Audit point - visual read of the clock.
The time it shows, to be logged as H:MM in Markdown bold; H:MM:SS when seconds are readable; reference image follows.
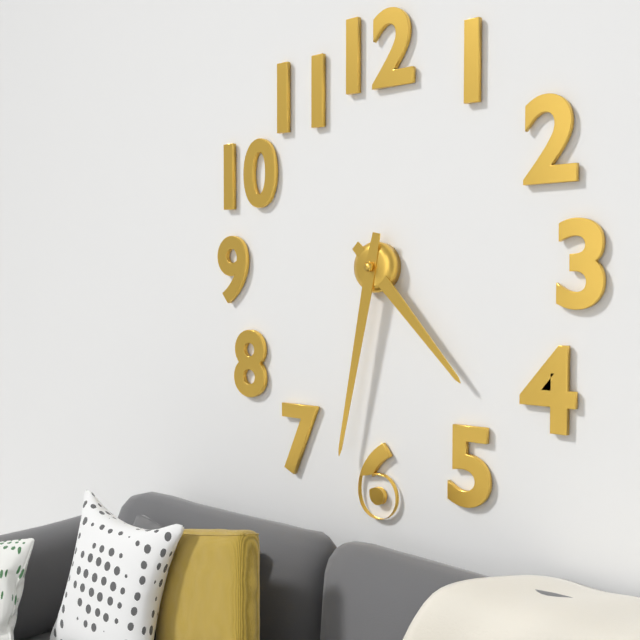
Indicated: **4:32**
